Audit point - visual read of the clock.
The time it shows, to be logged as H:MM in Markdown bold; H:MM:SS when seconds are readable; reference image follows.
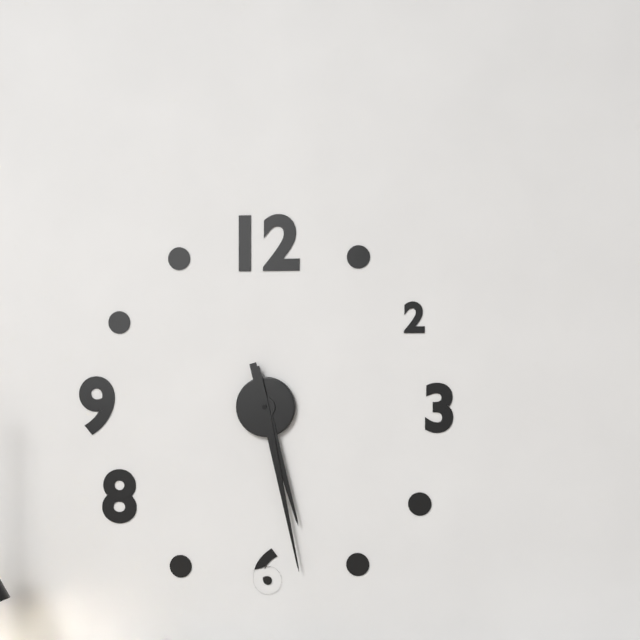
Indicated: **5:28**
